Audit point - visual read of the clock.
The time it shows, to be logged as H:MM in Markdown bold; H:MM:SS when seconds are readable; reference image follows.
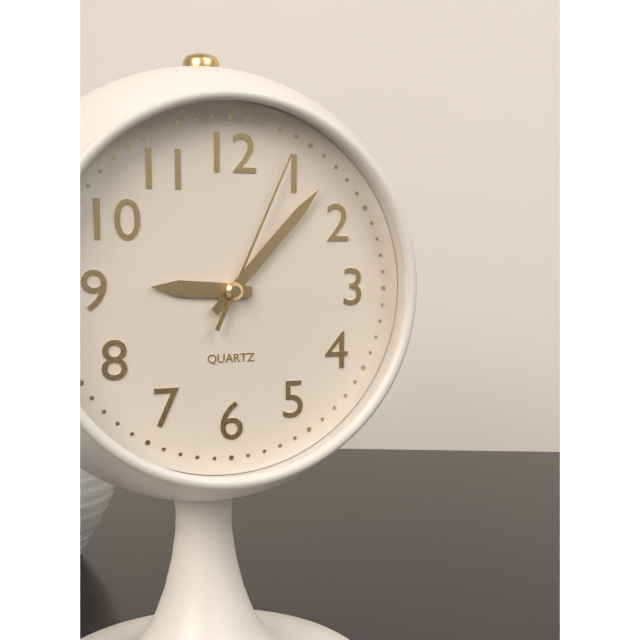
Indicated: **9:07:04**
